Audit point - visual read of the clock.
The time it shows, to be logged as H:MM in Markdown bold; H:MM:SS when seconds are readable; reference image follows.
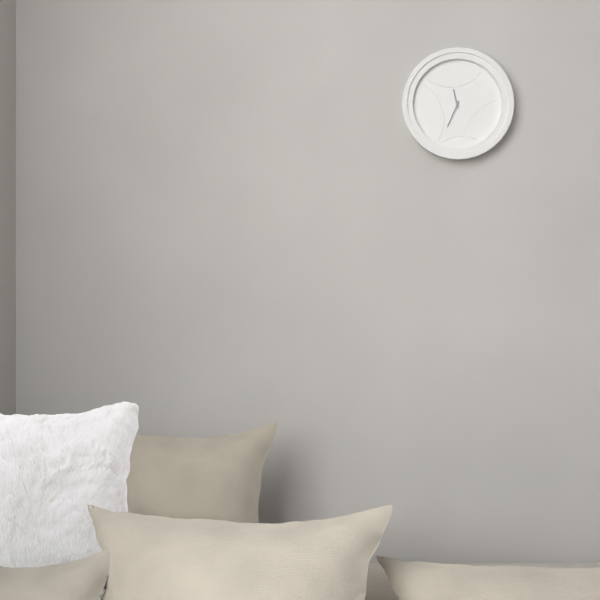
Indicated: **11:34**
